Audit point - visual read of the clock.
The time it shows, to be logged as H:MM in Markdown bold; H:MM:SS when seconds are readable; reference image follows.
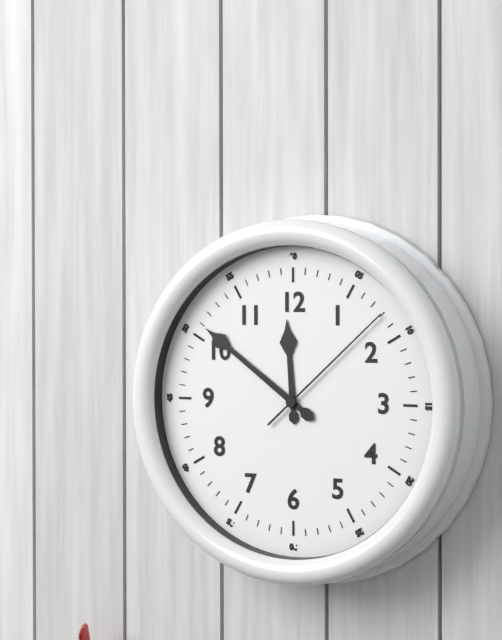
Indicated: **11:51:08**
